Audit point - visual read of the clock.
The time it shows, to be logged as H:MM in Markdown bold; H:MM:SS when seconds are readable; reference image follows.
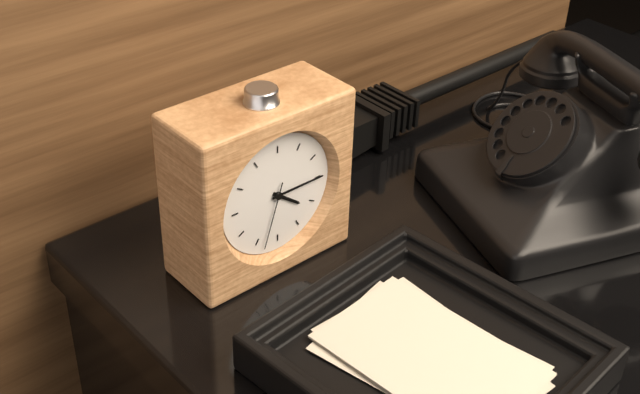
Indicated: **4:15:33**
